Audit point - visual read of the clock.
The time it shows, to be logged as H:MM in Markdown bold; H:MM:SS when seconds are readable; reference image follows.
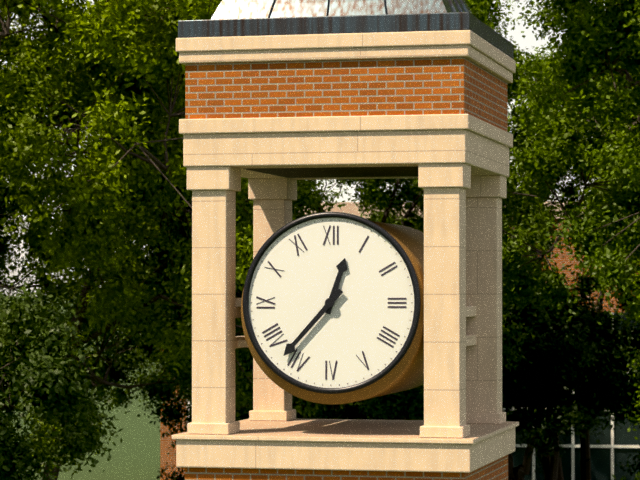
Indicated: **12:37**
